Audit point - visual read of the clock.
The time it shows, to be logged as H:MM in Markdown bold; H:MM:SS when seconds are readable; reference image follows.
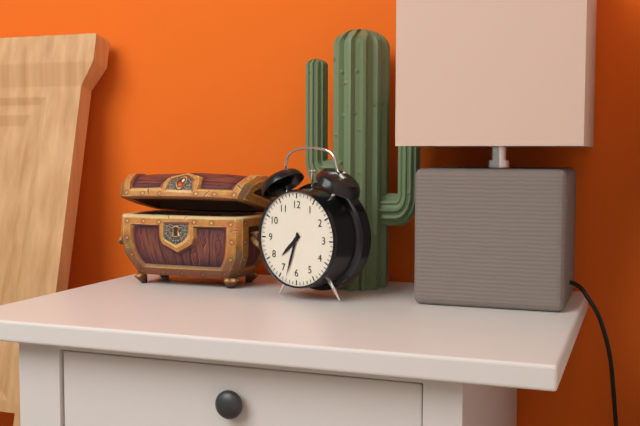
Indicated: **7:33**
